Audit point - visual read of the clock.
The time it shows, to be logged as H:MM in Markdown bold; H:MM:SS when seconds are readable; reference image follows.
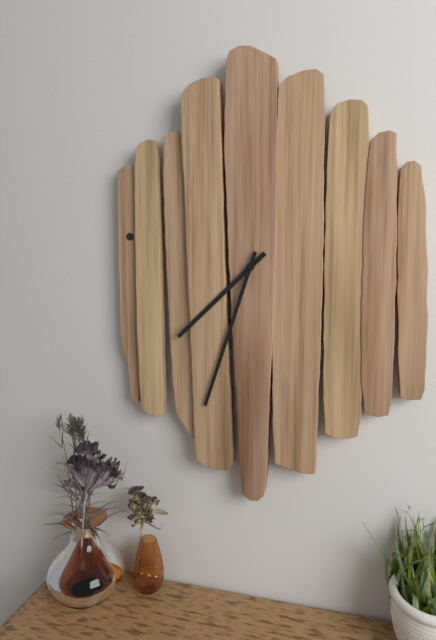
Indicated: **7:33**
